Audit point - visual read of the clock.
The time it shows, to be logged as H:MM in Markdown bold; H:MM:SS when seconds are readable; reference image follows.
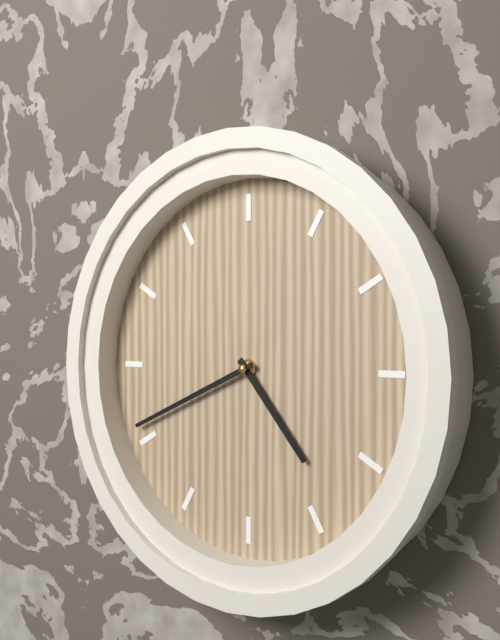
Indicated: **4:41**
